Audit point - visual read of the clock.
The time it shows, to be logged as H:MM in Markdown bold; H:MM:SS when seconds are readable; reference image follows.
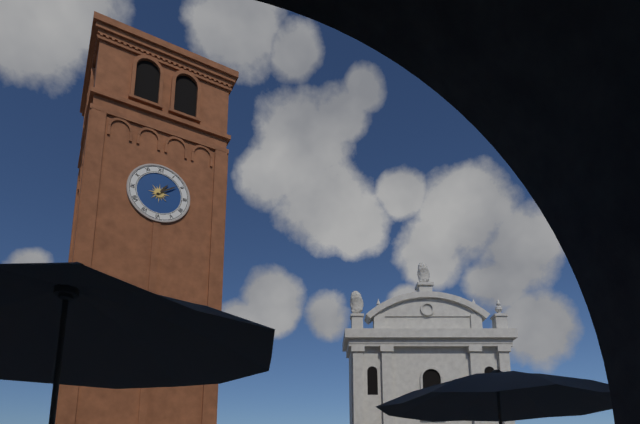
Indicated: **1:09**
